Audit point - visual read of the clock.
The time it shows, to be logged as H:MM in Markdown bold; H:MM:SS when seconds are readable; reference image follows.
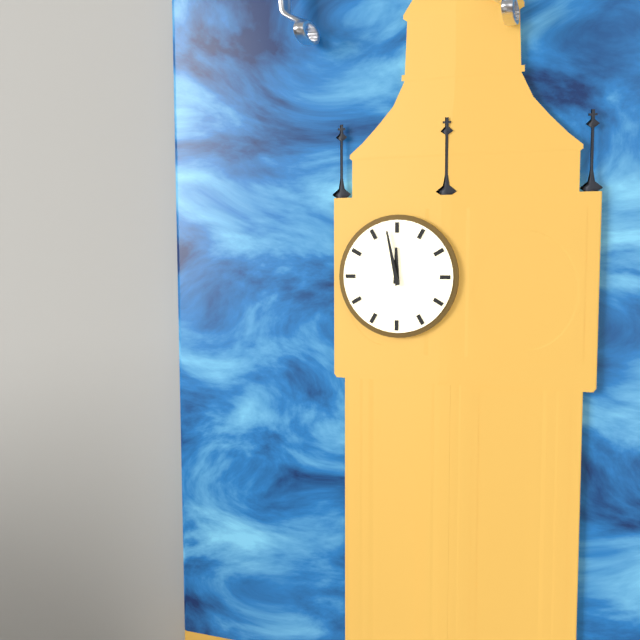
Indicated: **11:58**
